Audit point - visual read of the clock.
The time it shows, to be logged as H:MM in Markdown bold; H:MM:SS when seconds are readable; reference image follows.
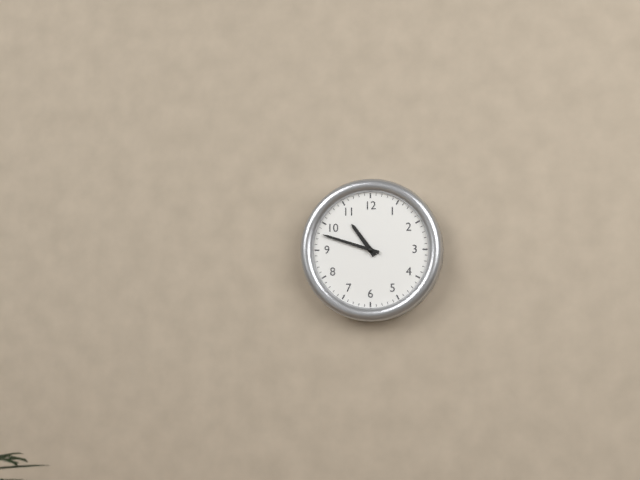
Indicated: **10:48**
